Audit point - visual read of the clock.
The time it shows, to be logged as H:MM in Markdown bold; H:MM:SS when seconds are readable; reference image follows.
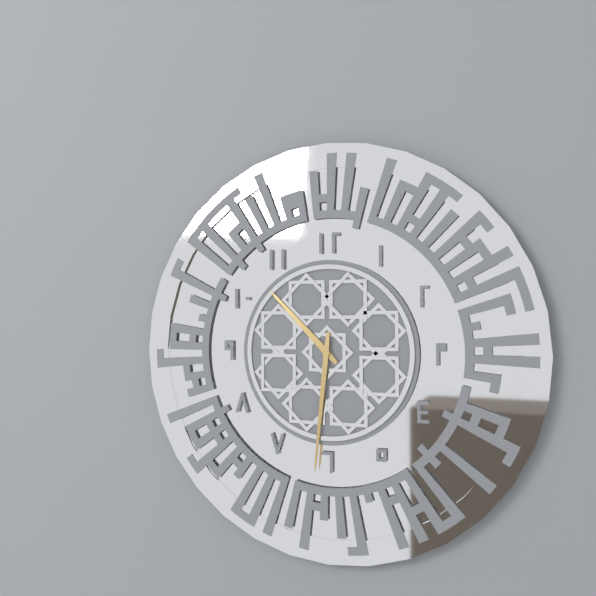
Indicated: **10:31**
